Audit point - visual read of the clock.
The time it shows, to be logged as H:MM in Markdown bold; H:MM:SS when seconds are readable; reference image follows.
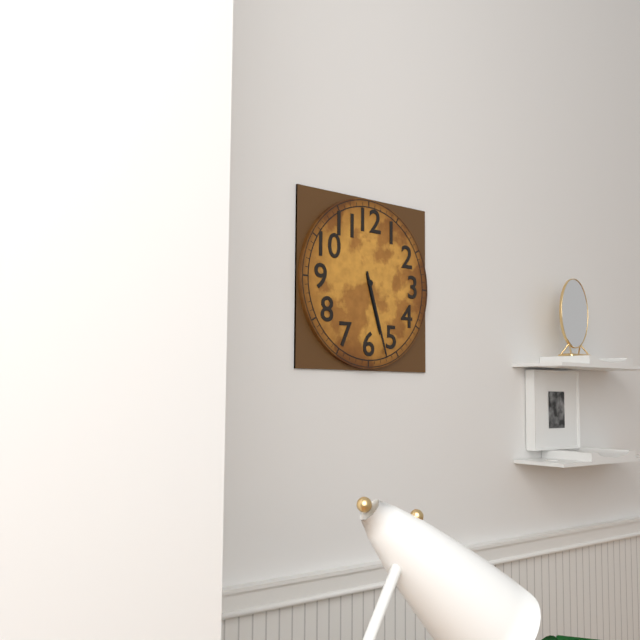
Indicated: **5:27**
